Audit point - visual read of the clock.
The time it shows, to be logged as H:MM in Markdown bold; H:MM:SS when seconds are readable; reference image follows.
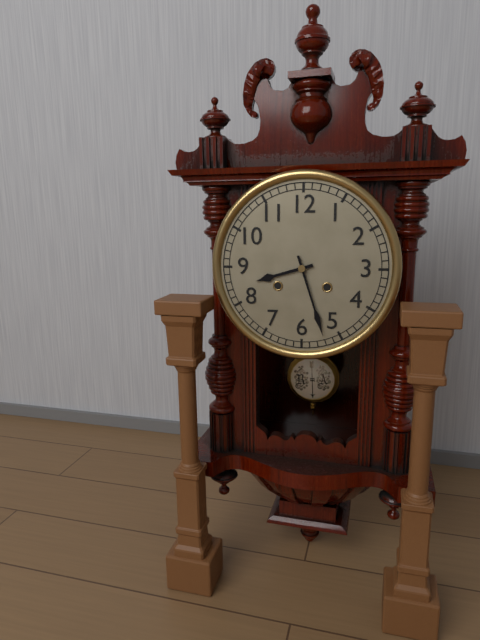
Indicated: **8:27**
